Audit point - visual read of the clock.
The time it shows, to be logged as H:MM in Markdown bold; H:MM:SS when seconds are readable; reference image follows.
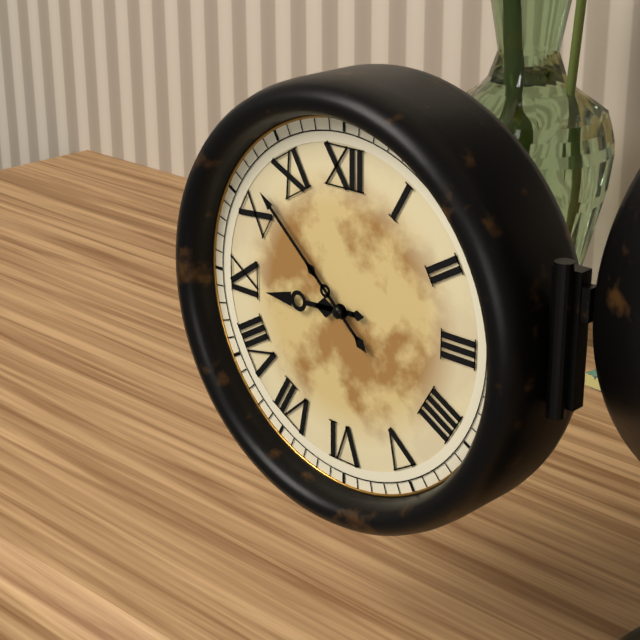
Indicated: **8:52**
